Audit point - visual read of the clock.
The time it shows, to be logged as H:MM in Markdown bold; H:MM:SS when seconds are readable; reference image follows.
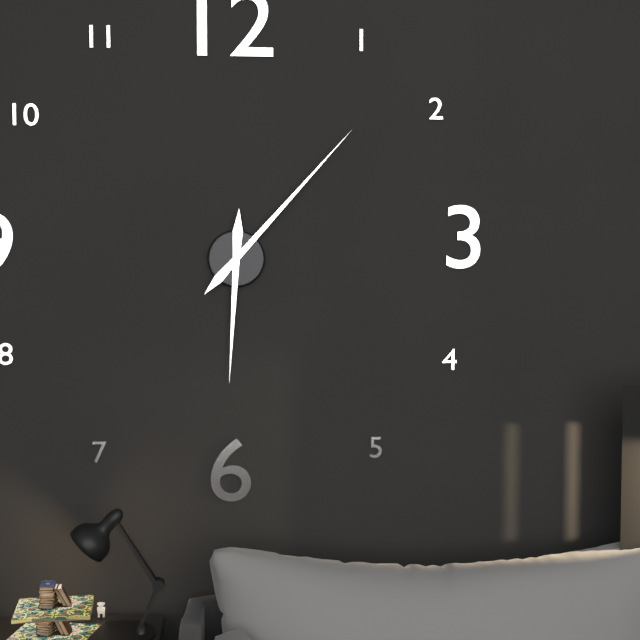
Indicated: **6:07**
